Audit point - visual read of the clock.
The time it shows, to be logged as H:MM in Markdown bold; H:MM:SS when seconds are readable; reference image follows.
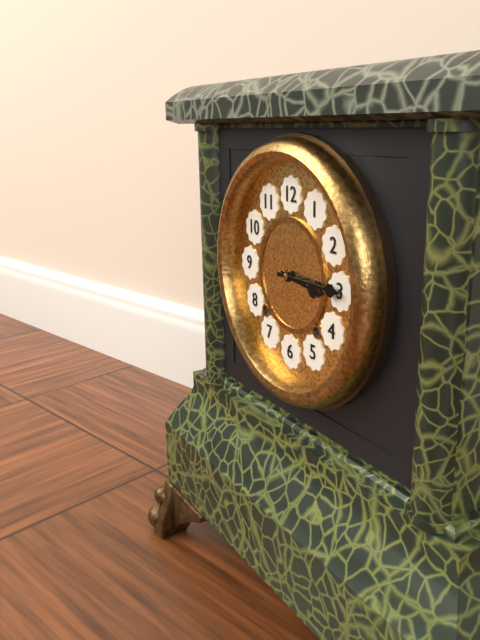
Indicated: **3:15**
